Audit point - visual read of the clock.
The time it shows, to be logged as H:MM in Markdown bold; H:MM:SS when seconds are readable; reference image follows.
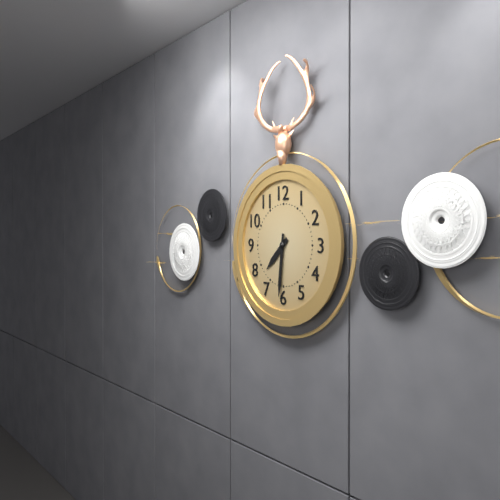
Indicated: **7:31**
